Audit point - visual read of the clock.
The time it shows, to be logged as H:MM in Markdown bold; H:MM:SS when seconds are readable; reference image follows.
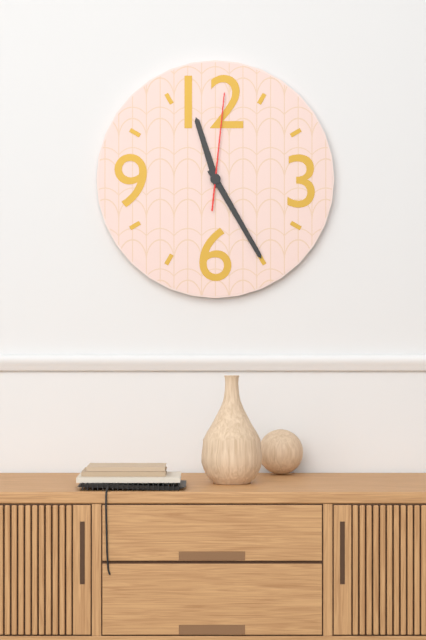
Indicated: **11:25:01**
